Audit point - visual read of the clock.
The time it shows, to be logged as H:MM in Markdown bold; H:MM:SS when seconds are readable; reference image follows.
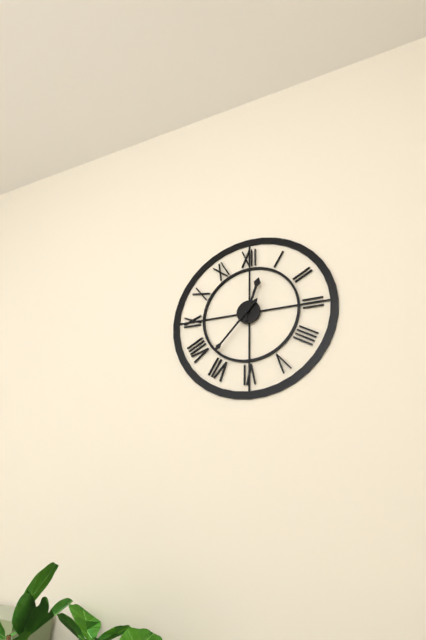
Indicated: **12:37**
